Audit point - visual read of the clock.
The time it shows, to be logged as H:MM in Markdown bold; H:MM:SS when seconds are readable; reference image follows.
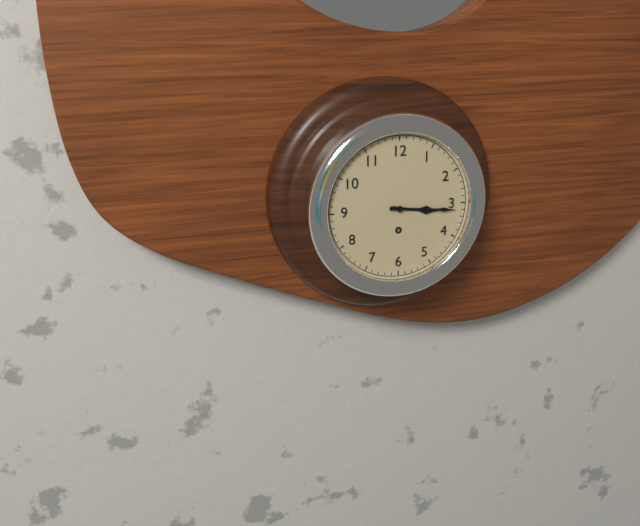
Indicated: **3:16**
